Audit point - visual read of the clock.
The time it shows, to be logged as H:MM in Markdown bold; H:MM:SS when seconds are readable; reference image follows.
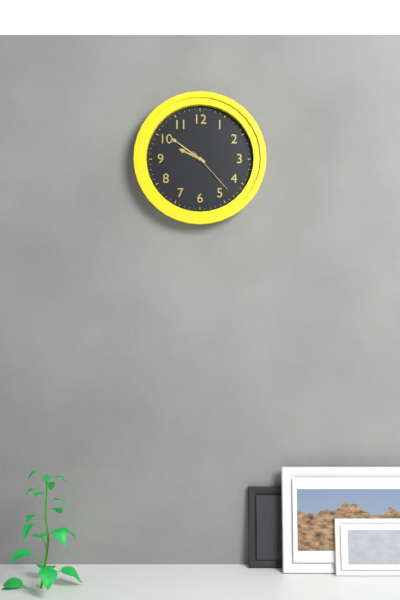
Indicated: **9:51:23**
